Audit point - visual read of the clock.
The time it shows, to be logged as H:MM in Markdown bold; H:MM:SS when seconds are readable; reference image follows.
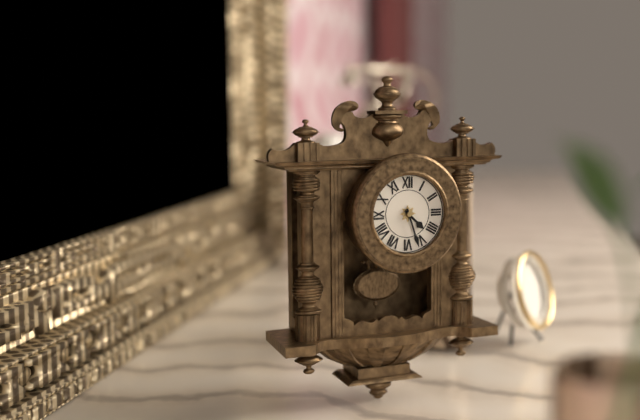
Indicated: **4:27**
